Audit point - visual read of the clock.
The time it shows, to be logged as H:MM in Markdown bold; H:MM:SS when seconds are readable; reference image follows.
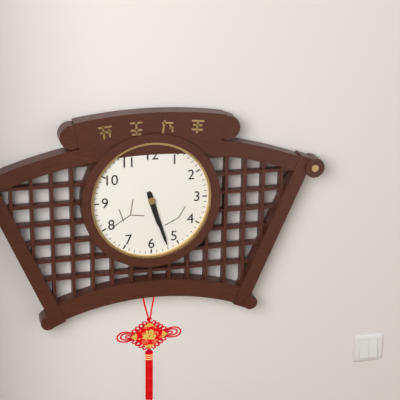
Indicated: **5:27**
